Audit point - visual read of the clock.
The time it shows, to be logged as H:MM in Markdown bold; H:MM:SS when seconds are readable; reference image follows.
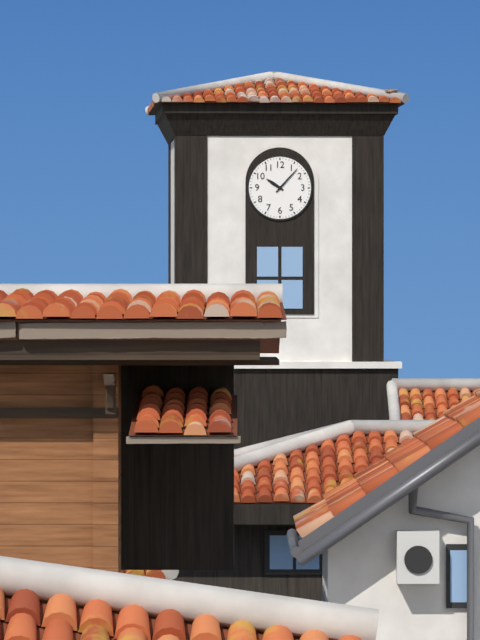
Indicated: **10:07**
